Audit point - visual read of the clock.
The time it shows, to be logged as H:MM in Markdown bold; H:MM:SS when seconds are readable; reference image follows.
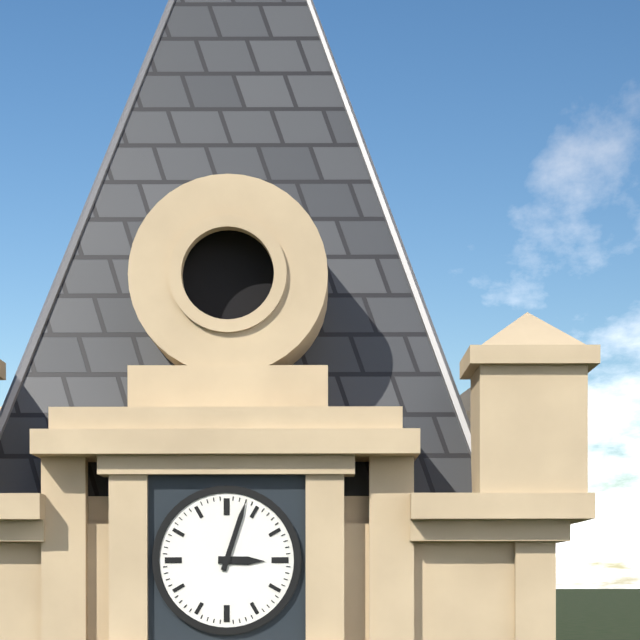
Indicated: **3:03**
